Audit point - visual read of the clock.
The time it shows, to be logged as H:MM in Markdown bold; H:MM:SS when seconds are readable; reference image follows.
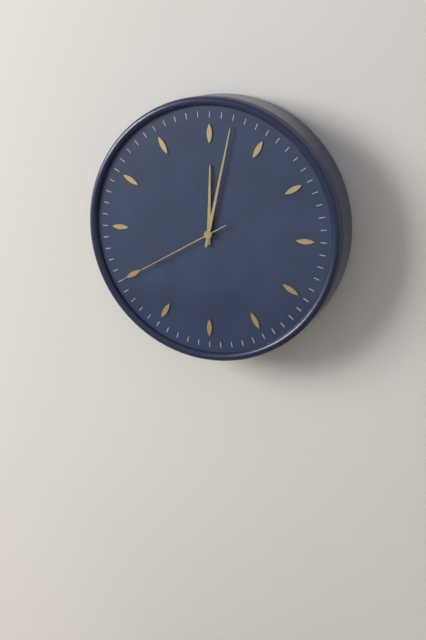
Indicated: **12:02:40**
